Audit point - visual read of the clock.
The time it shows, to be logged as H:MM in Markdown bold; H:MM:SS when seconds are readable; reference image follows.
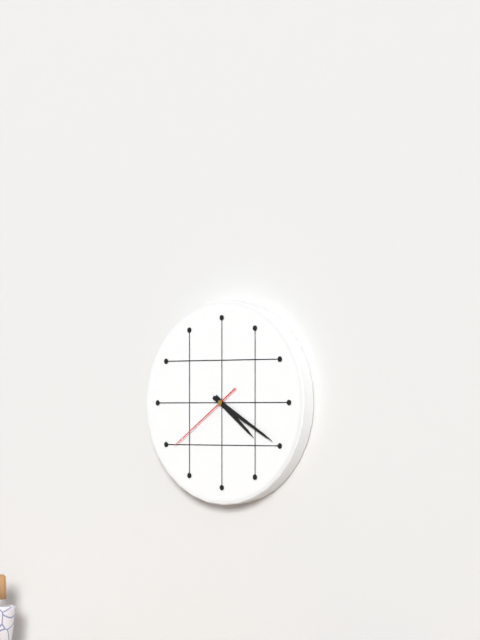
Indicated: **4:20:39**
